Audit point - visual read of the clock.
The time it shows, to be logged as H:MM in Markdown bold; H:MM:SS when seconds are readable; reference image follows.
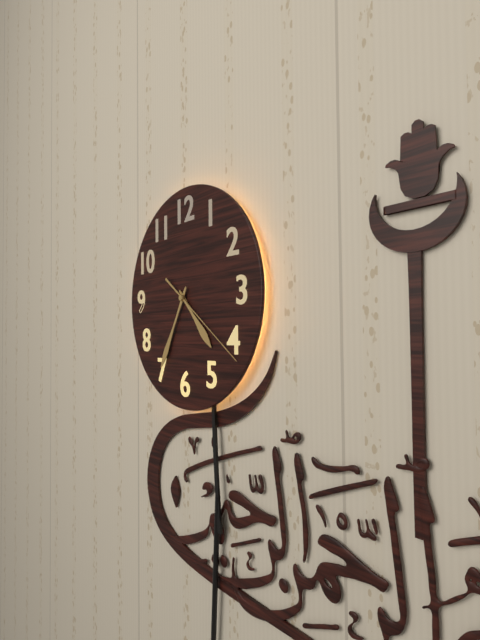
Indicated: **4:35:21**
